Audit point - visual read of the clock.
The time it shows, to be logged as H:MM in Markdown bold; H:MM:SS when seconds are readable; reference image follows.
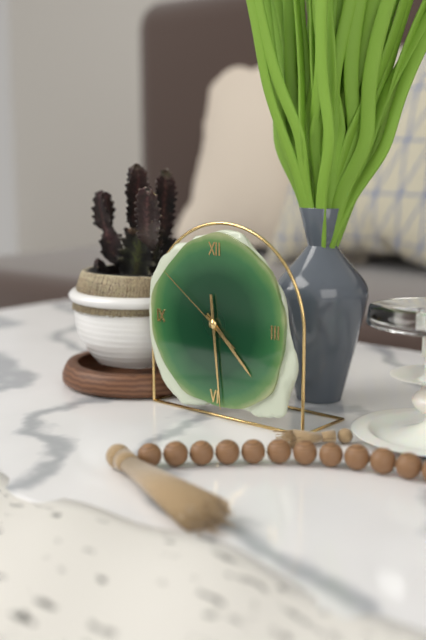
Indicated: **4:29:51**
